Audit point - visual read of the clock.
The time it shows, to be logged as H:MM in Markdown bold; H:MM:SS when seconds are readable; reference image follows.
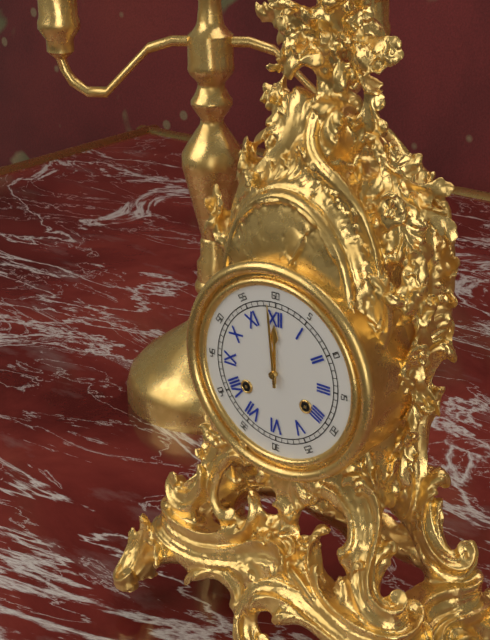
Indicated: **11:59**
